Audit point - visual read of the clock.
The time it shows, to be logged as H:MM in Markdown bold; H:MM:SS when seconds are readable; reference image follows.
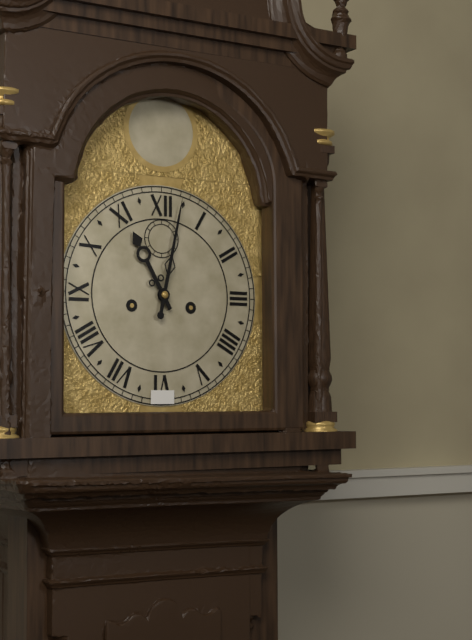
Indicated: **11:02**
